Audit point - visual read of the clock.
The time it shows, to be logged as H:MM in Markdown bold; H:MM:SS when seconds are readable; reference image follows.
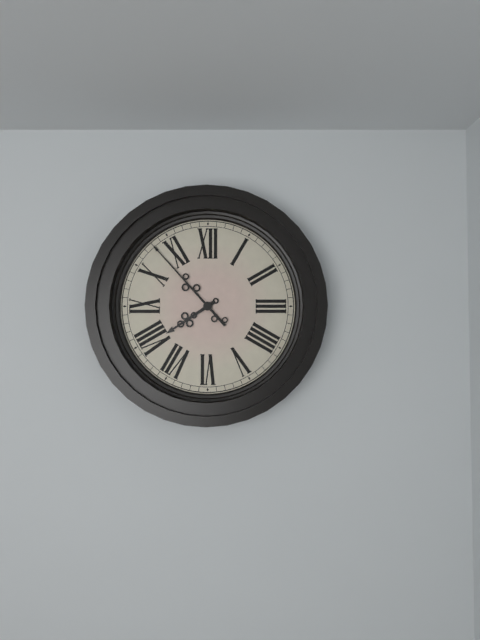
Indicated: **7:53**
